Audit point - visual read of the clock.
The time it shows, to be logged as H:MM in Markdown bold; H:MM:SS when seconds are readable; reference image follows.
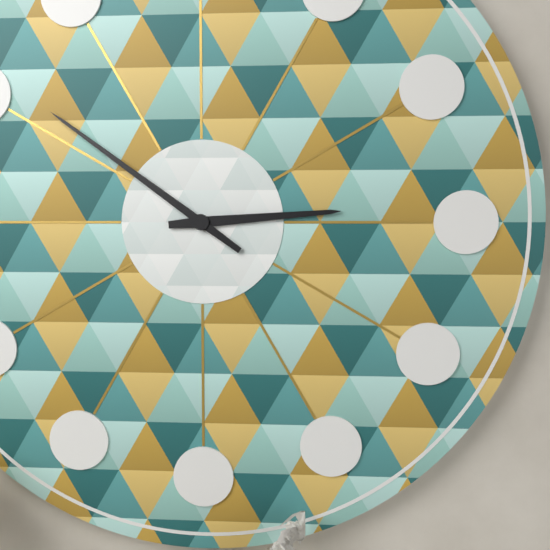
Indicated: **2:51**
